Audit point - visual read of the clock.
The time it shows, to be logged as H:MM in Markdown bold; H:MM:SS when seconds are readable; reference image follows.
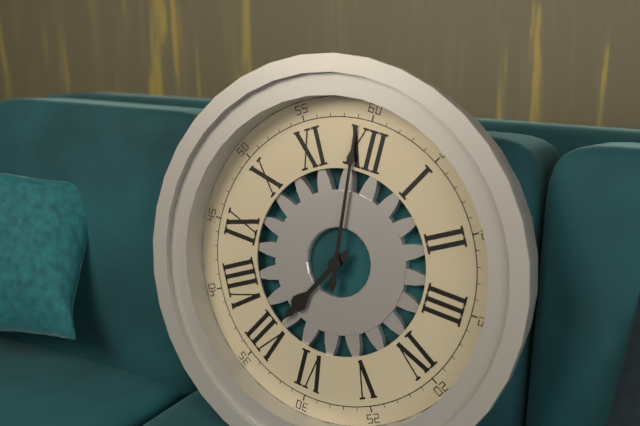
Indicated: **6:59**
